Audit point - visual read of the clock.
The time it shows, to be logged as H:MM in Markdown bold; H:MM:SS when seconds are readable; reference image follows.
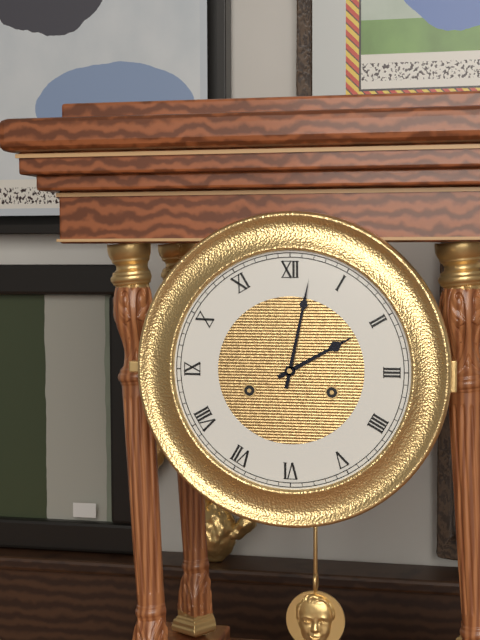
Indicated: **2:02**
